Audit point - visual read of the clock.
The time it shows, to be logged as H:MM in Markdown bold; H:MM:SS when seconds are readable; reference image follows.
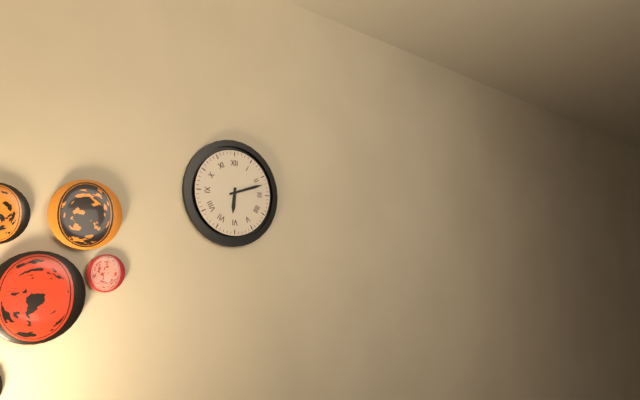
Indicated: **6:12**
